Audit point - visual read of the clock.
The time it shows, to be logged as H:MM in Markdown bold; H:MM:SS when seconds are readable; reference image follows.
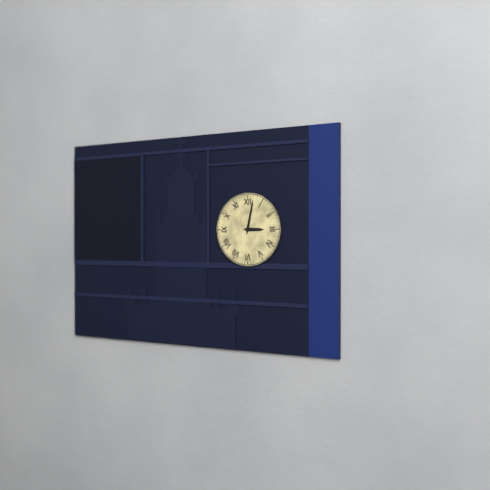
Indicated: **3:02**
